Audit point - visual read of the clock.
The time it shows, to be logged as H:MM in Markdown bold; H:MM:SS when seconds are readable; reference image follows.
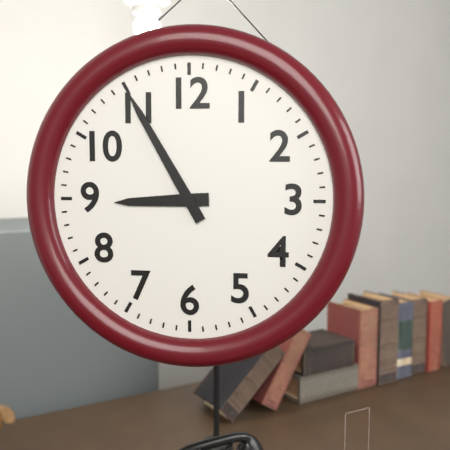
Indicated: **8:55**
